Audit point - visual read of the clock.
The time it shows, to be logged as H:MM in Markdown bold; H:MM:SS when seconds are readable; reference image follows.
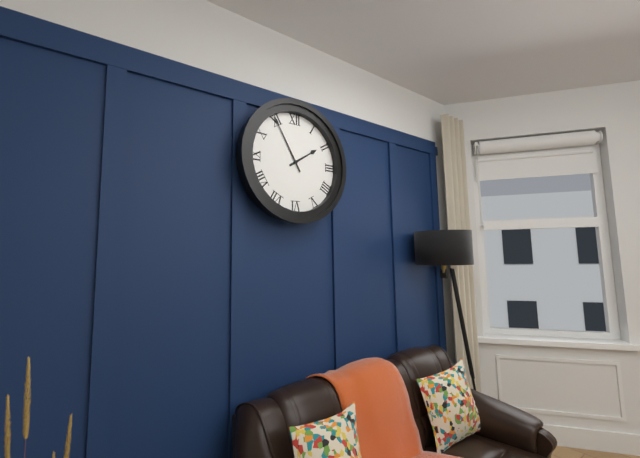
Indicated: **1:55**
